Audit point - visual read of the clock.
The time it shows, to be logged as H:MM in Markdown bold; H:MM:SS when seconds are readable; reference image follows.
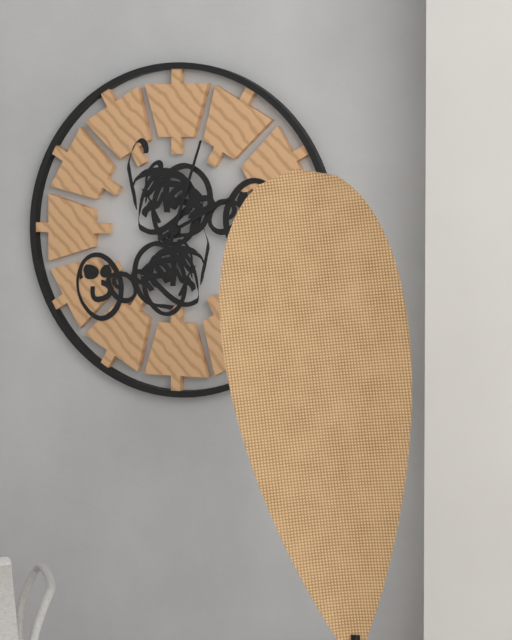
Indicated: **2:03**
